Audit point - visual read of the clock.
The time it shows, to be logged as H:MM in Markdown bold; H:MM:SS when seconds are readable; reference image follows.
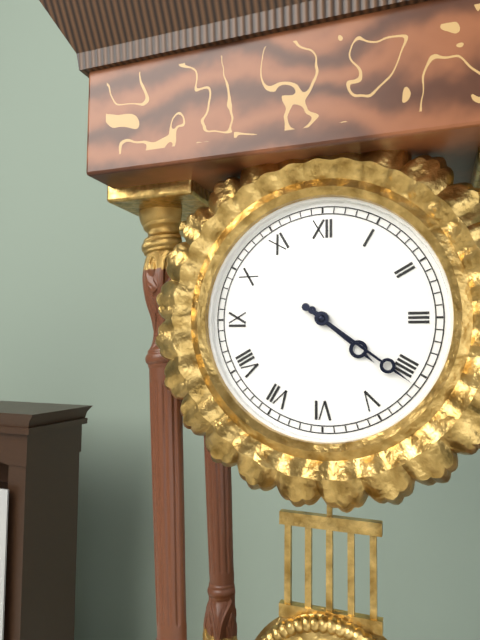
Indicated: **4:21**
